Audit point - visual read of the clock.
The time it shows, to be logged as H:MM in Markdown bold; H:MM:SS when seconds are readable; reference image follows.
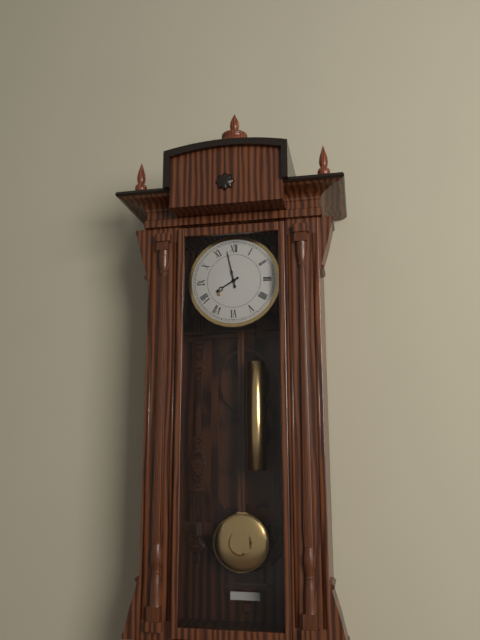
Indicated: **7:58**
